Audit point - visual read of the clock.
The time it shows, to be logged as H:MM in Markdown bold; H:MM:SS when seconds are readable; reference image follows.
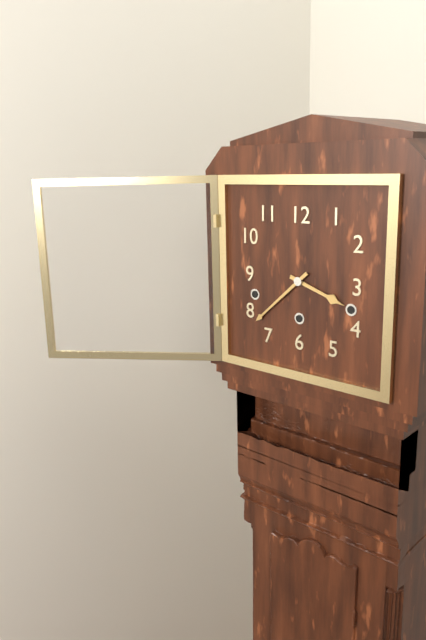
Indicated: **3:38**
